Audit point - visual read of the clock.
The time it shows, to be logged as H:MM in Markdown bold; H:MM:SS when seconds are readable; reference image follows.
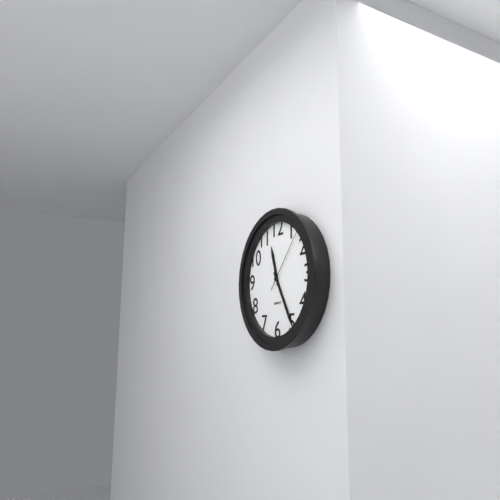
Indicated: **11:25:07**
